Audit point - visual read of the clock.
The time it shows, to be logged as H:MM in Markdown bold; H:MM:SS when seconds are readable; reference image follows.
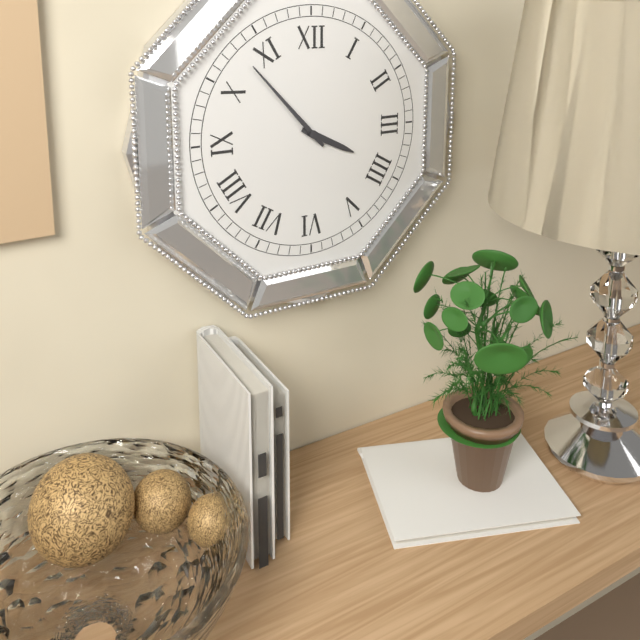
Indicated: **3:53**
